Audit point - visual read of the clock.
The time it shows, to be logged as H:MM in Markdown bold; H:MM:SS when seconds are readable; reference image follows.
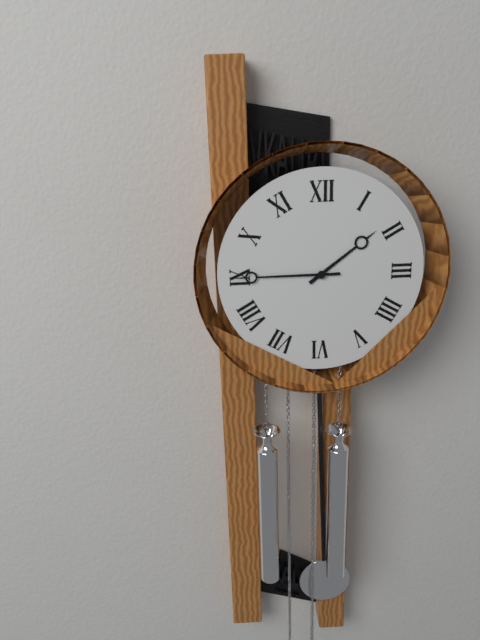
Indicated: **1:45**
